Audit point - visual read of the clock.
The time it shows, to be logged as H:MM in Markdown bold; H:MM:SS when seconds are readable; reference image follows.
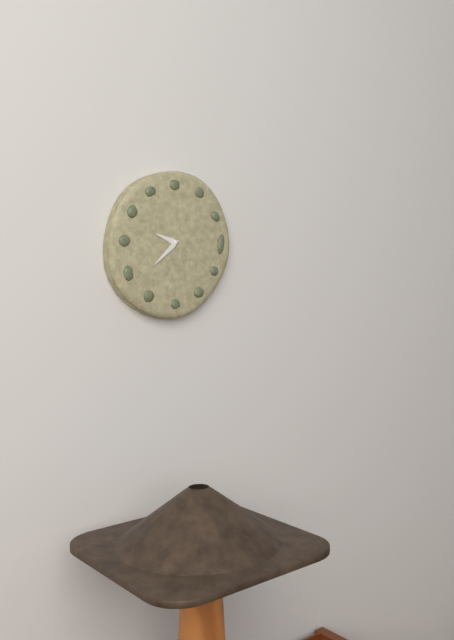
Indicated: **9:38**
